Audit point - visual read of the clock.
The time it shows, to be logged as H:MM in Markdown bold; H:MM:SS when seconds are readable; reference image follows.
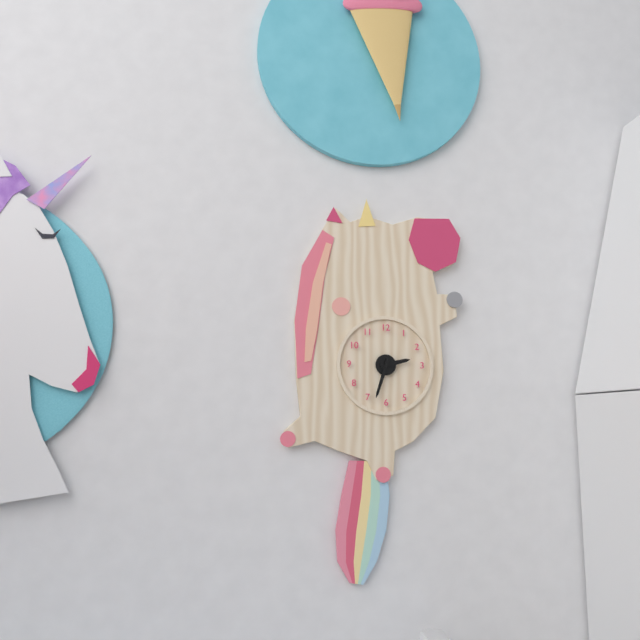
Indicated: **2:33**
